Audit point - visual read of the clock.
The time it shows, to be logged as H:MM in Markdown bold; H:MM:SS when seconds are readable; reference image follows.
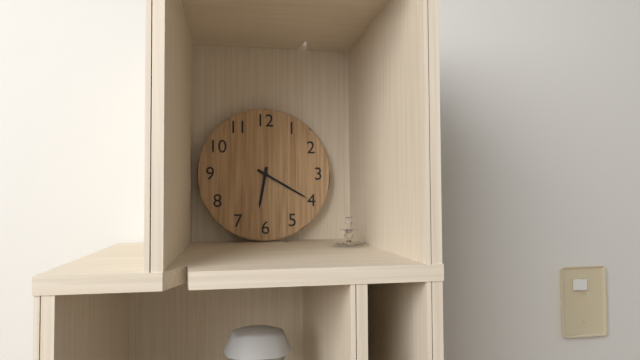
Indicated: **6:20**
